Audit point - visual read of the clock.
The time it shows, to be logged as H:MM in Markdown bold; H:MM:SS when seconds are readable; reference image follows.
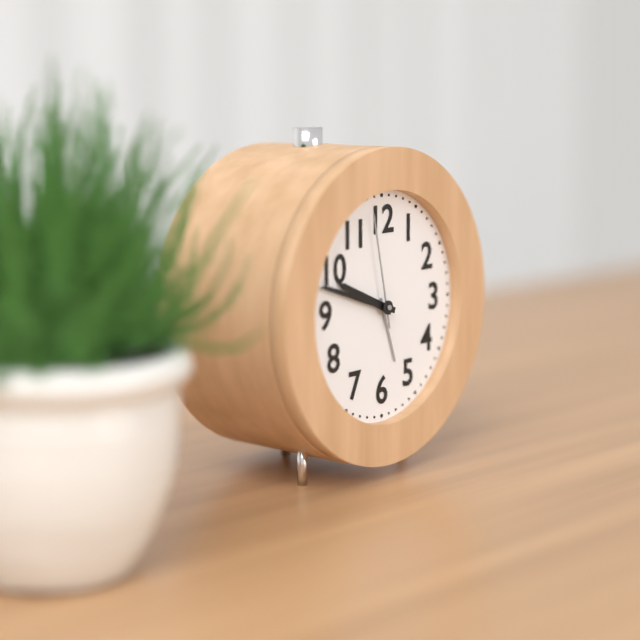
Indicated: **9:48:58**
